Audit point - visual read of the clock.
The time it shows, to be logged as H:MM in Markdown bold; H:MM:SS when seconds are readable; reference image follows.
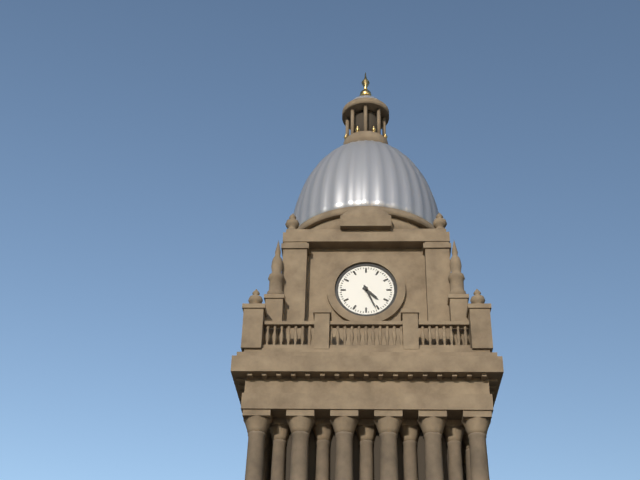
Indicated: **4:26**
